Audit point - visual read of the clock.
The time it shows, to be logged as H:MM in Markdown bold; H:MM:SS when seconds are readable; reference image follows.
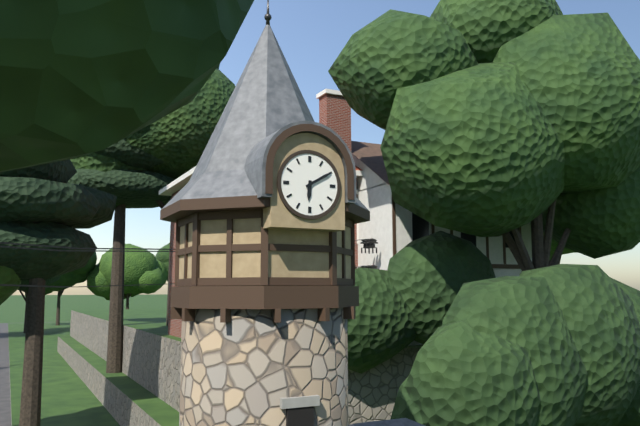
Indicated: **6:10**
